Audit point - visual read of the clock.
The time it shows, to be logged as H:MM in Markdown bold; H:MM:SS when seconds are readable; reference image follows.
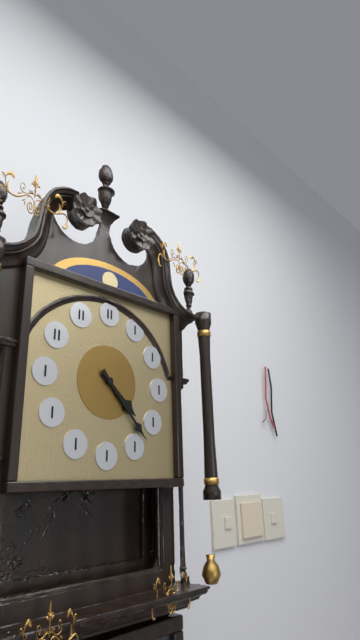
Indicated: **4:23**
